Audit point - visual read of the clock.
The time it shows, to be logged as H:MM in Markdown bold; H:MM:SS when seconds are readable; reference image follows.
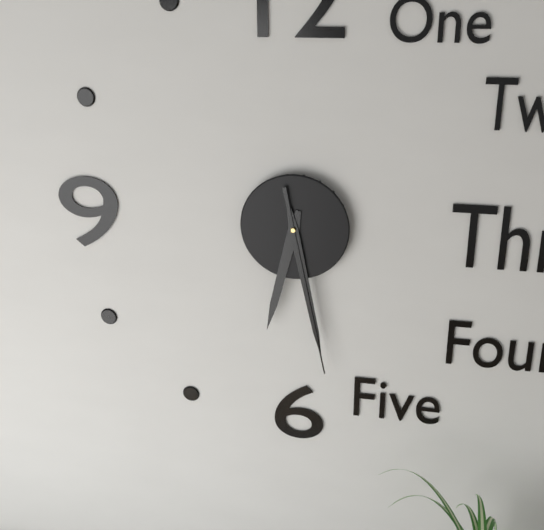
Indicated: **6:28:28**
